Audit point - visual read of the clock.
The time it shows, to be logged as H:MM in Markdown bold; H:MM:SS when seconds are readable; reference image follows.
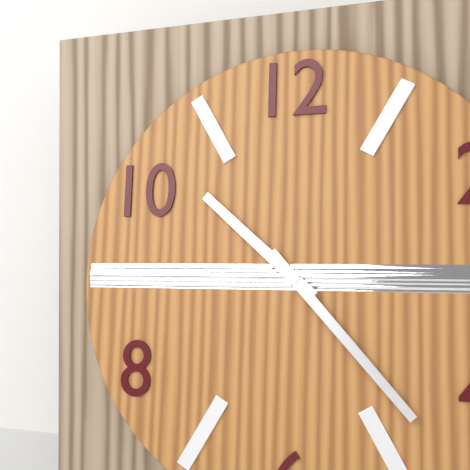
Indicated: **10:23**
